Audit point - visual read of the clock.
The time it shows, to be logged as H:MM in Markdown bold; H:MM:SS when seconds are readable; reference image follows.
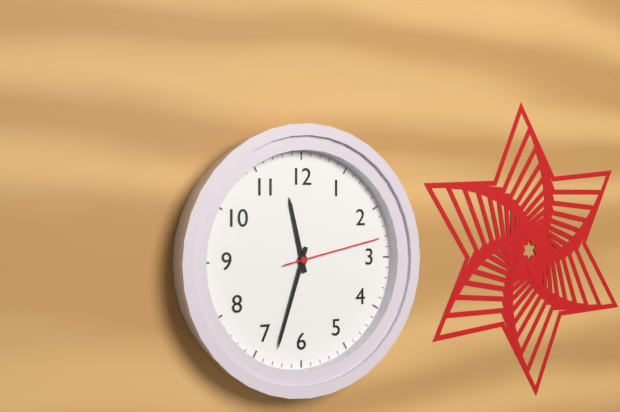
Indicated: **11:33:13**
